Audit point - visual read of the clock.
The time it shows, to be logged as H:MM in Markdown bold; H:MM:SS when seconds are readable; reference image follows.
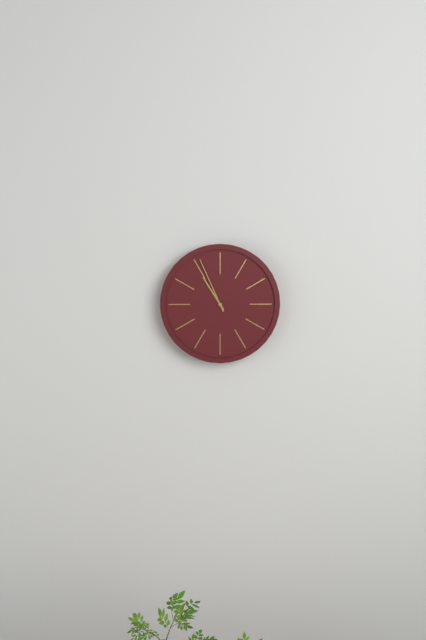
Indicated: **10:56**
